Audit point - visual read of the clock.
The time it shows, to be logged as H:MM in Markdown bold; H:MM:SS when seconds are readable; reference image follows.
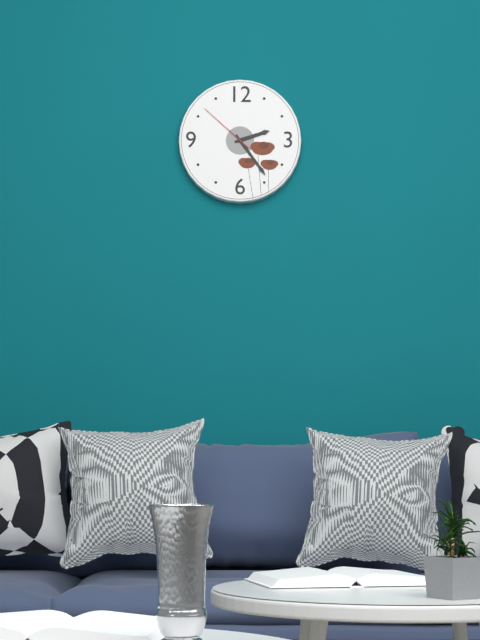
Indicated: **2:24:52**
